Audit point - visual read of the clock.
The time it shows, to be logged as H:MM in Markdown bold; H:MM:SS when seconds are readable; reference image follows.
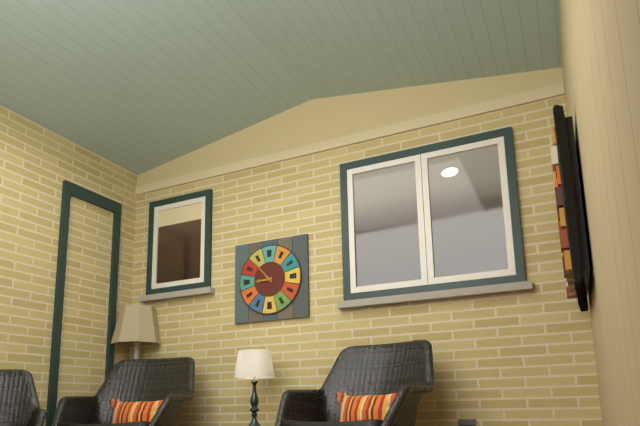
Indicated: **8:53**
